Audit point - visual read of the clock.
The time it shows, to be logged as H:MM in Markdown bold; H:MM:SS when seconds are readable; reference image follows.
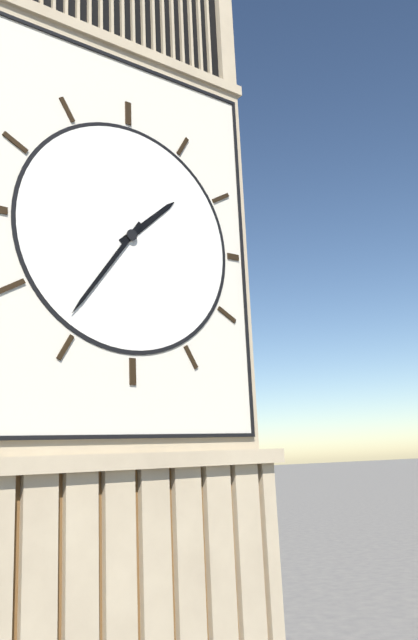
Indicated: **1:36**
